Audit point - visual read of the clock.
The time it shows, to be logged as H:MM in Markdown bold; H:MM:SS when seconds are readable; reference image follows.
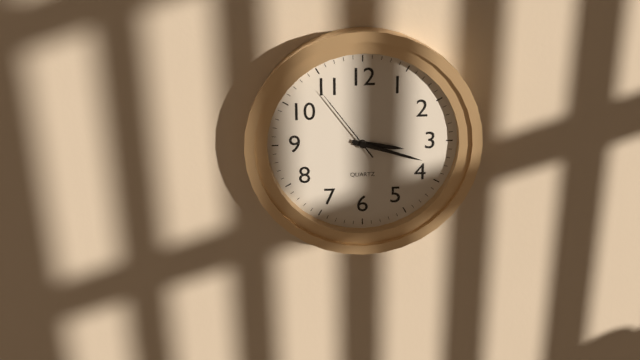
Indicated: **3:18:54**
